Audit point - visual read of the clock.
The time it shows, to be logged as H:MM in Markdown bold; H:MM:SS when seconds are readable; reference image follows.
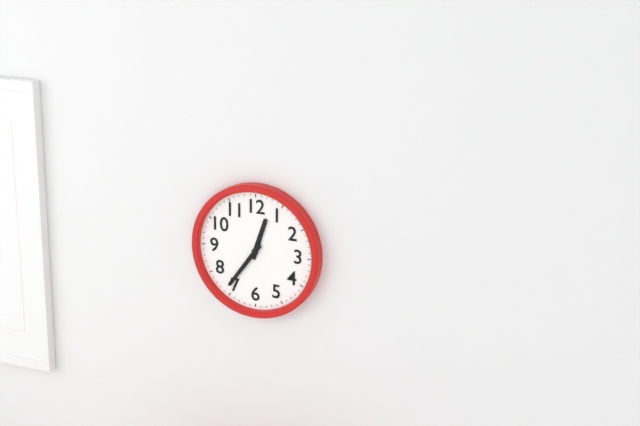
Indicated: **12:36**
